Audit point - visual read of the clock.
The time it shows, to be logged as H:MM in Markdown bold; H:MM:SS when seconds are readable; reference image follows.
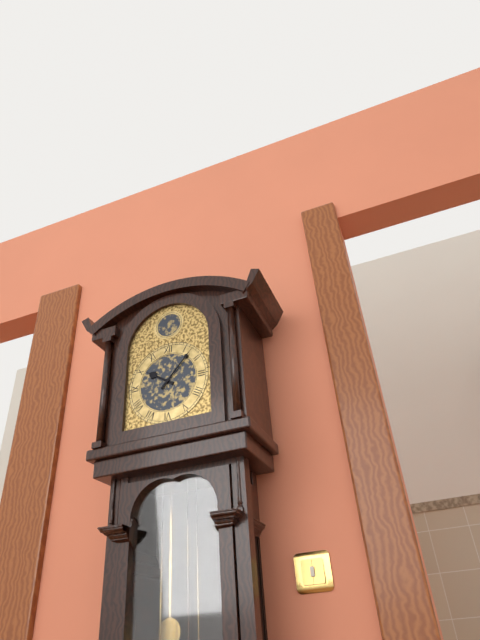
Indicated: **10:07**
